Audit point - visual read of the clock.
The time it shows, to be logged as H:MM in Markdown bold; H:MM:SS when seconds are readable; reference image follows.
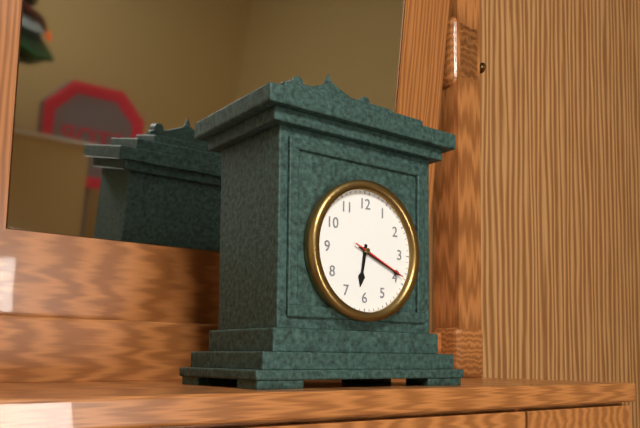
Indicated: **6:19:19**
